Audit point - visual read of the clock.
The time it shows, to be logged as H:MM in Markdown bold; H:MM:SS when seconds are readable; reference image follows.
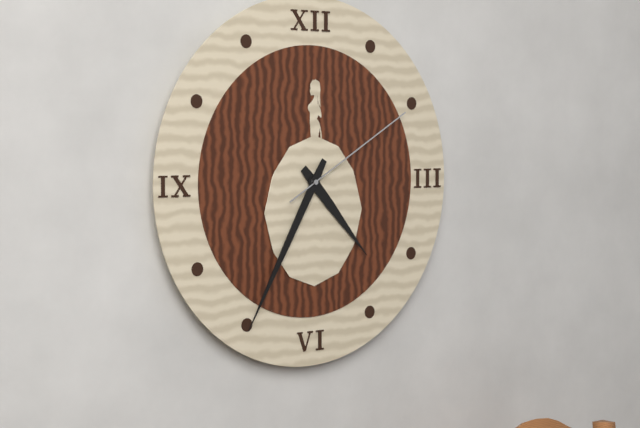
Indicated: **4:35:10**
